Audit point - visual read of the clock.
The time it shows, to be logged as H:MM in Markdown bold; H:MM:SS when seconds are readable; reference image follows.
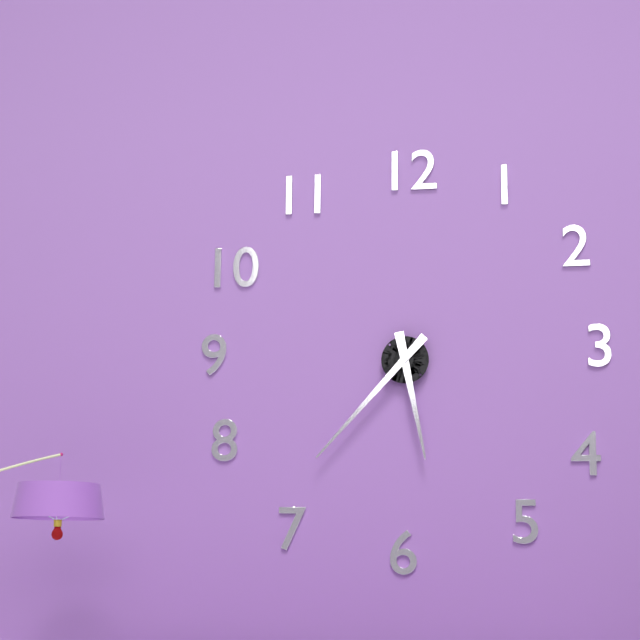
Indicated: **5:37**
